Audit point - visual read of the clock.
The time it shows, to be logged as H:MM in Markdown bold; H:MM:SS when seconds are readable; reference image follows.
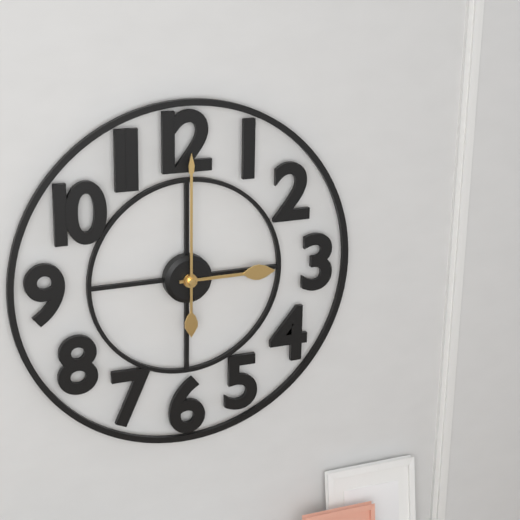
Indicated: **3:00**
